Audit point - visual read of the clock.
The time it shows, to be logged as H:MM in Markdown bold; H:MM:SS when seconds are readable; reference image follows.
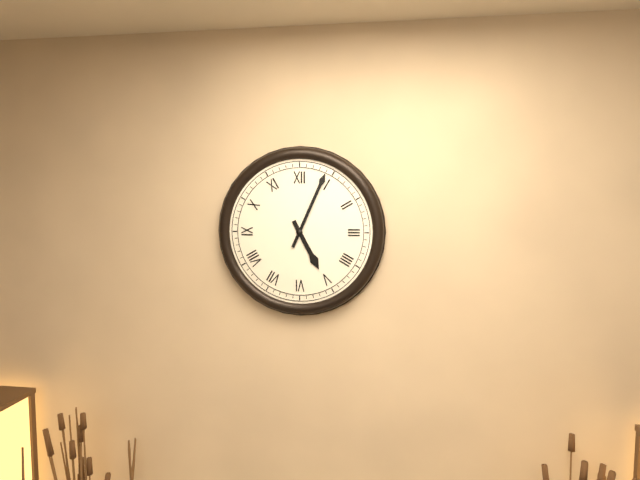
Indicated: **5:04**
